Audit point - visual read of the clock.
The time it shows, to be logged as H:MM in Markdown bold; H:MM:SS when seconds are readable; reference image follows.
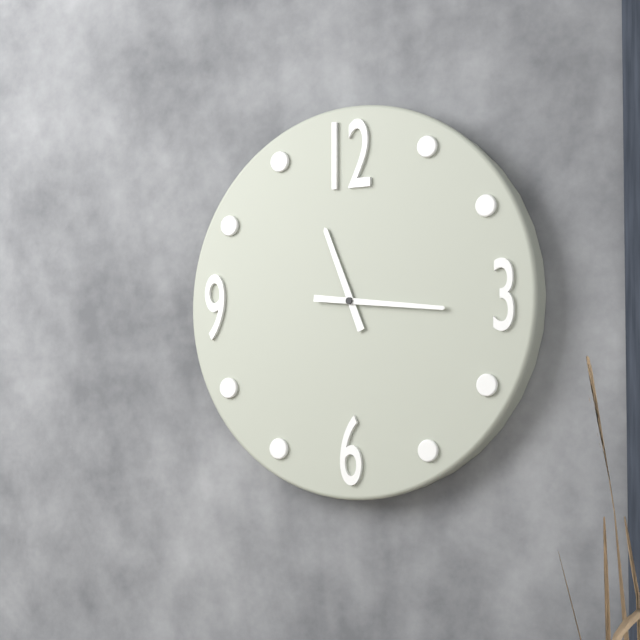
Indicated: **11:16**
